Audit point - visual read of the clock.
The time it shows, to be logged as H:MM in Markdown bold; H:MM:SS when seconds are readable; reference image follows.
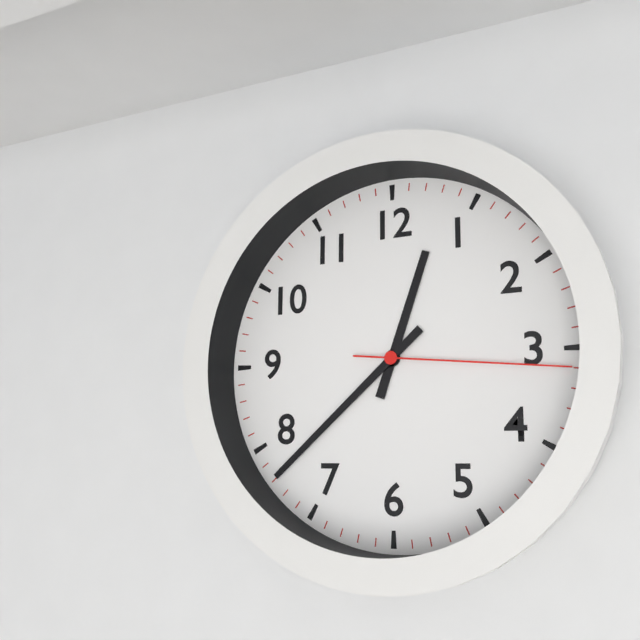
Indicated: **12:38:16**
